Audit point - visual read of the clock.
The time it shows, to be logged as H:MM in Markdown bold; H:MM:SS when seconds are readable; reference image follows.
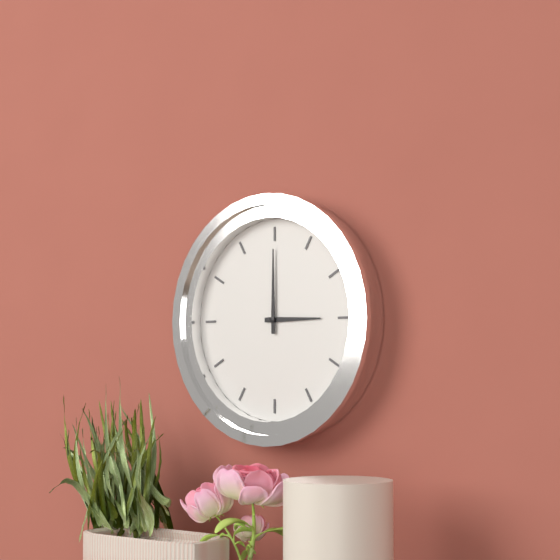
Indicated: **3:00**
